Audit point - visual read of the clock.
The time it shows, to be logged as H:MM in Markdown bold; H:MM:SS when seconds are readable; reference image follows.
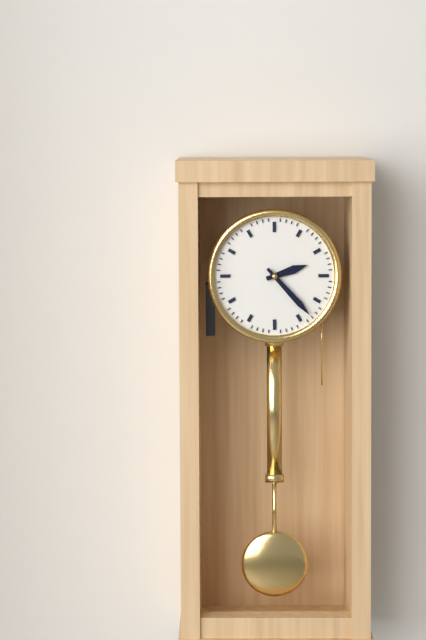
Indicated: **2:23**
